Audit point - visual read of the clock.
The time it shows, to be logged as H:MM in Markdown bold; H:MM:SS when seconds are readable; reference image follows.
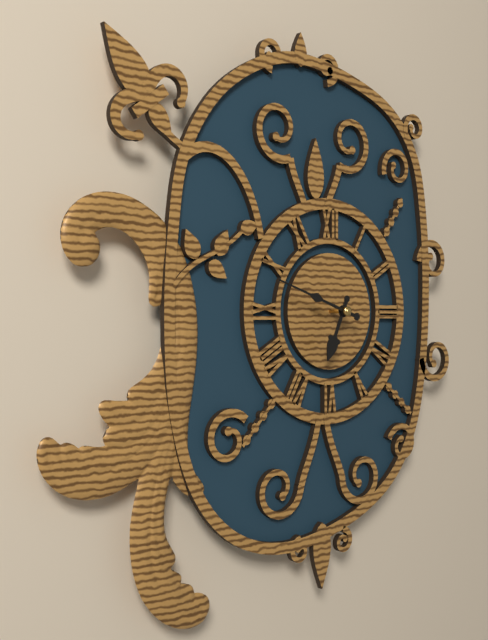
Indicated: **6:48**
